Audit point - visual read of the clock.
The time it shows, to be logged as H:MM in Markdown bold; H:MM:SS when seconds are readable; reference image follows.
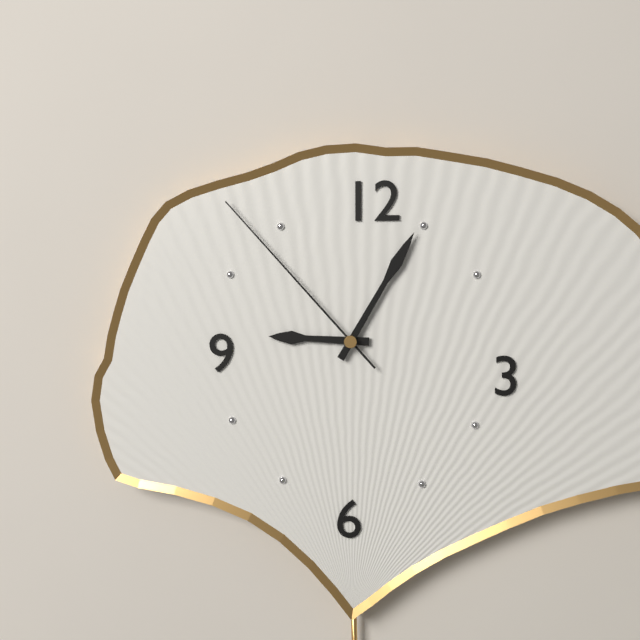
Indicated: **9:05:53**
